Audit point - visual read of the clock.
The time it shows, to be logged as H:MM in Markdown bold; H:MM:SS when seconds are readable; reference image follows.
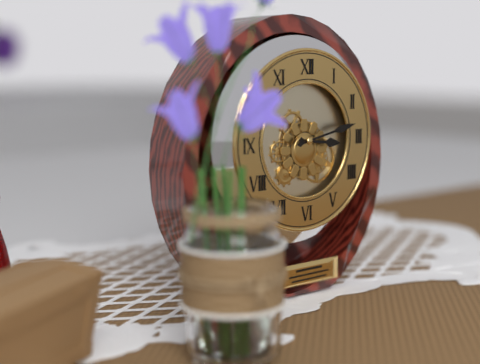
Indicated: **3:13**
